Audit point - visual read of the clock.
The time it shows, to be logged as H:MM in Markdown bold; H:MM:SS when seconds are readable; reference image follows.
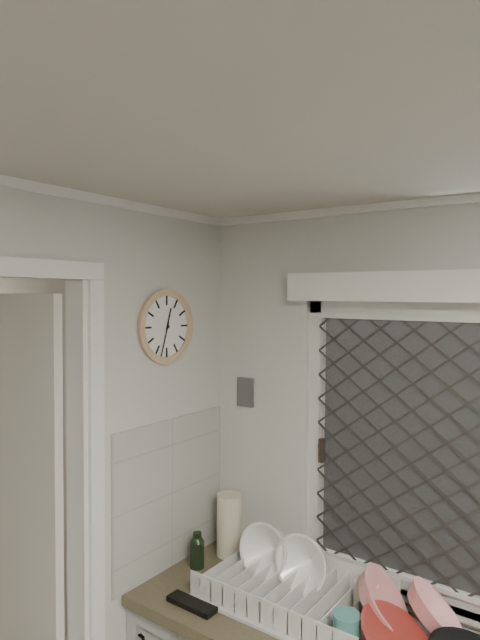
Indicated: **12:33**
